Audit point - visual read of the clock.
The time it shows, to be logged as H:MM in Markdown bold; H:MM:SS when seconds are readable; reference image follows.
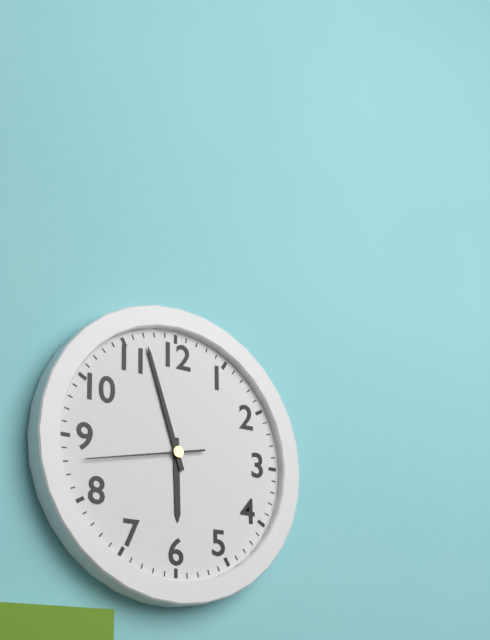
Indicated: **5:57:43**
